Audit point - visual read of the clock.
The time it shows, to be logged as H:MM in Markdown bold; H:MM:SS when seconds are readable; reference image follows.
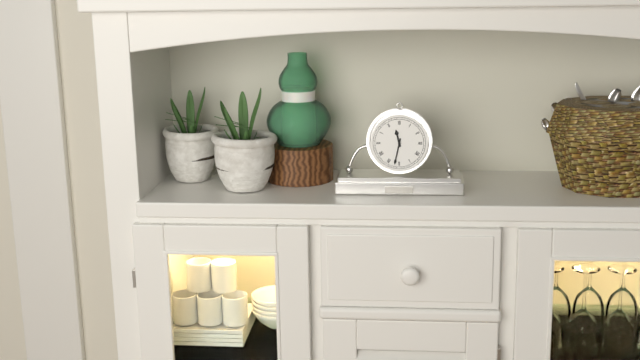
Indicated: **11:32**
